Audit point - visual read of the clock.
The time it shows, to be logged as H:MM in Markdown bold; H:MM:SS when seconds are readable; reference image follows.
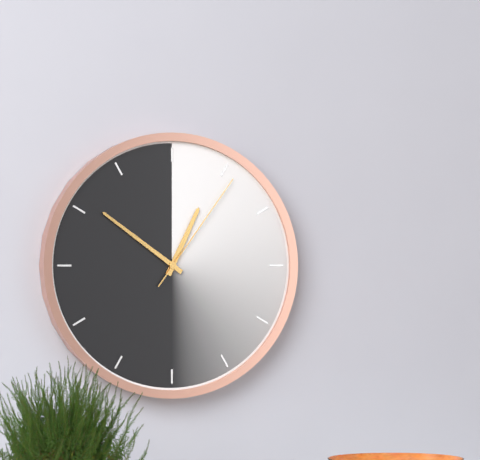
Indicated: **12:51:06**
